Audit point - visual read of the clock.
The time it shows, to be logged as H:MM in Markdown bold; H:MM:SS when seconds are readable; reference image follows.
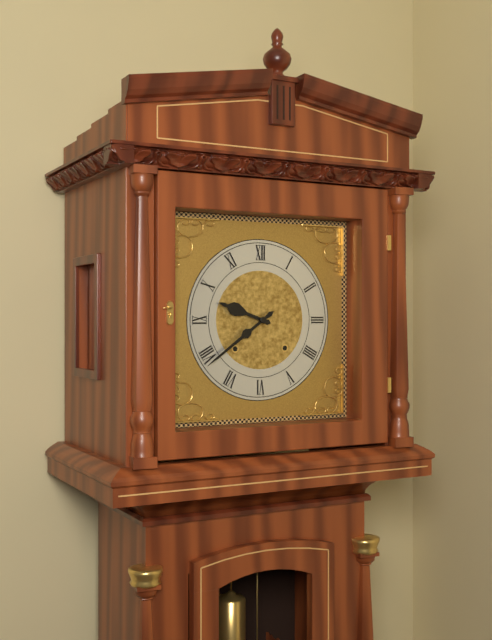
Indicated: **9:39**
